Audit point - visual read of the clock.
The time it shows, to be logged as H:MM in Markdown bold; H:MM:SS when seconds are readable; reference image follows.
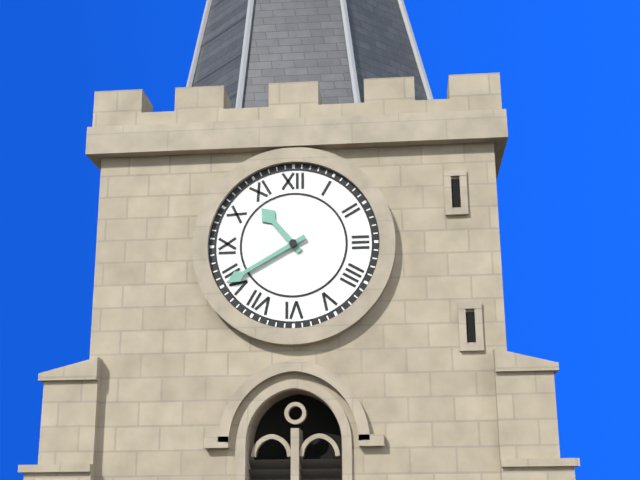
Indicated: **10:40**
